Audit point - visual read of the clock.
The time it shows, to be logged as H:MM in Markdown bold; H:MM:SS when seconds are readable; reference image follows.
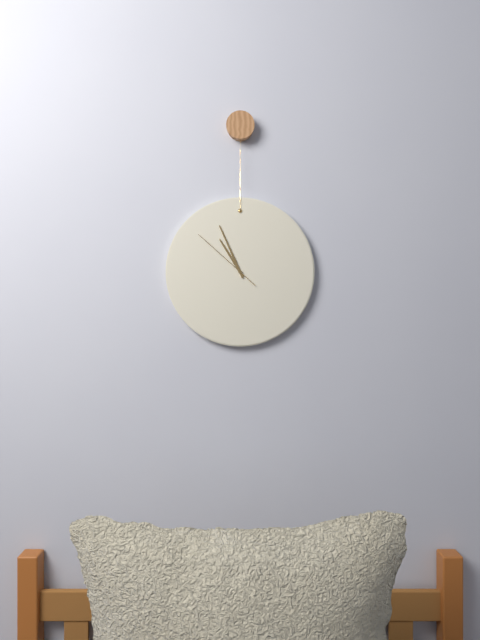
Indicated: **10:56:52**
